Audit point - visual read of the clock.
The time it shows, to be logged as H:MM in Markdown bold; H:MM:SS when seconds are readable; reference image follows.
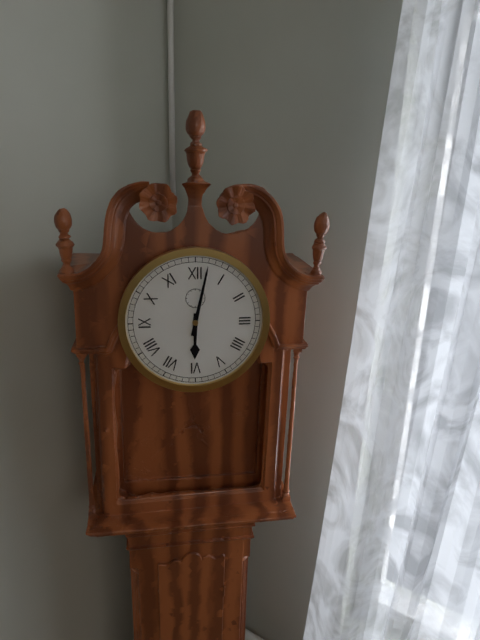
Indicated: **6:02**
